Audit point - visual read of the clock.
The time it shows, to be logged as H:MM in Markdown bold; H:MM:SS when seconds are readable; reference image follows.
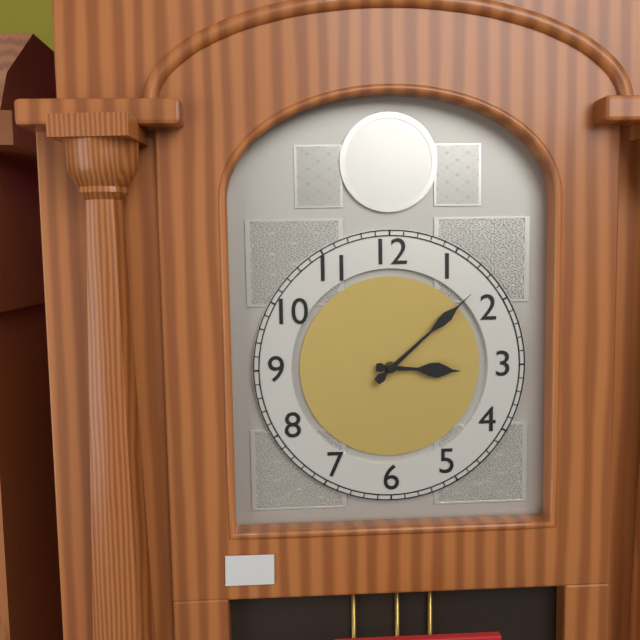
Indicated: **3:08**
